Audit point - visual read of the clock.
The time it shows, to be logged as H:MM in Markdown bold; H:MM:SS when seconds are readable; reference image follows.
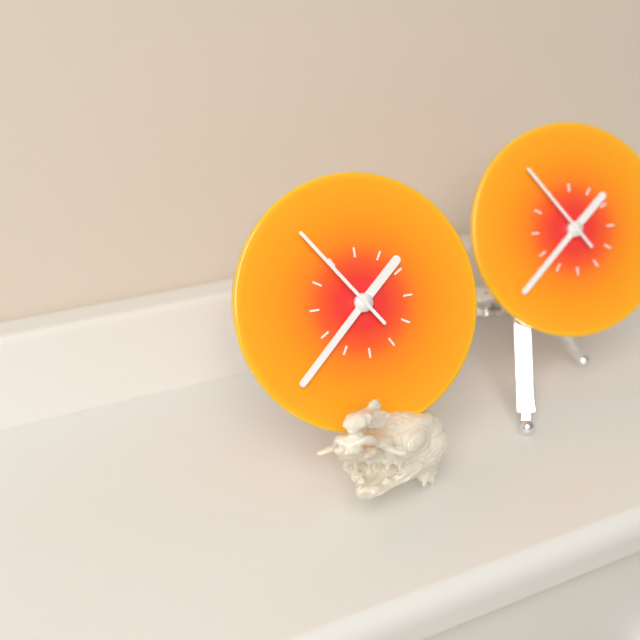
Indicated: **1:38:54**
